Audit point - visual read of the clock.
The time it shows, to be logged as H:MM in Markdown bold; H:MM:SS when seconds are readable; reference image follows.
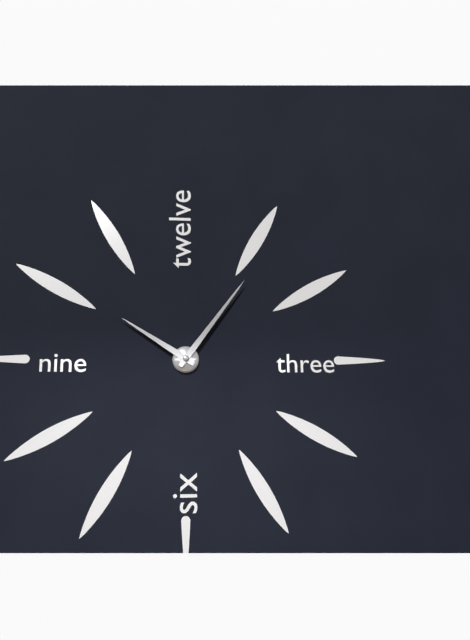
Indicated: **10:06**
